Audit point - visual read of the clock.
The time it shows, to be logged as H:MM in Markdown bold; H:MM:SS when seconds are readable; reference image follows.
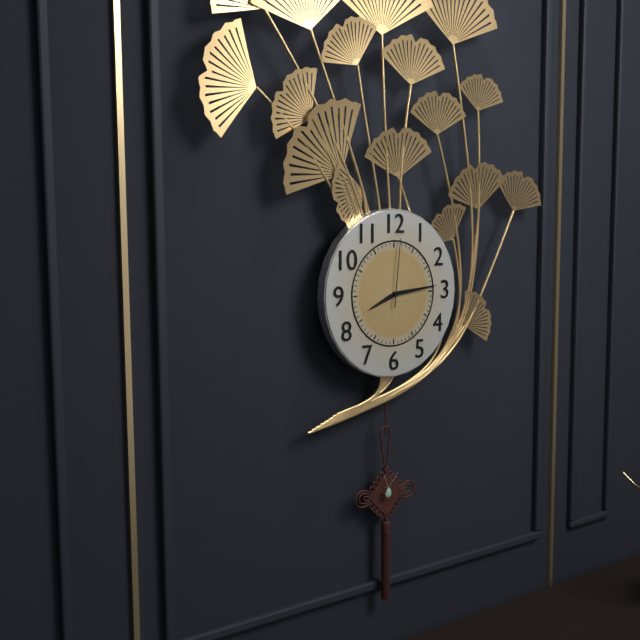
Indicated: **8:14:01**
